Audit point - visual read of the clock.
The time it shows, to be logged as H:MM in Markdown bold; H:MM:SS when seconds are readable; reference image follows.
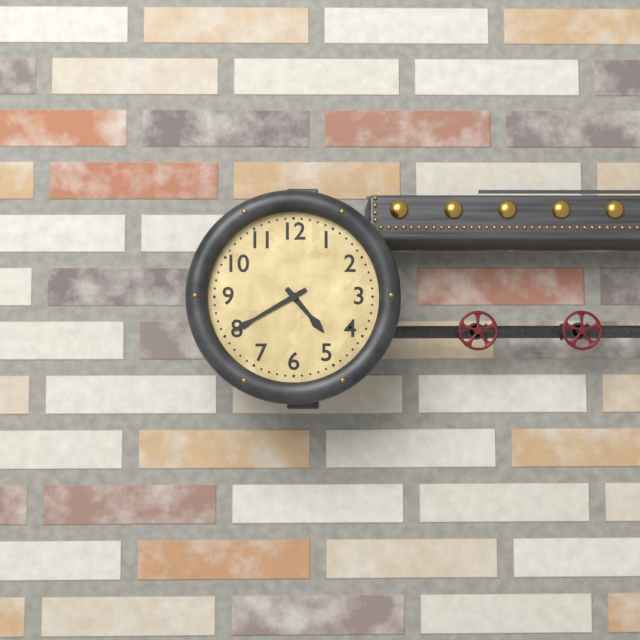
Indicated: **4:40**
